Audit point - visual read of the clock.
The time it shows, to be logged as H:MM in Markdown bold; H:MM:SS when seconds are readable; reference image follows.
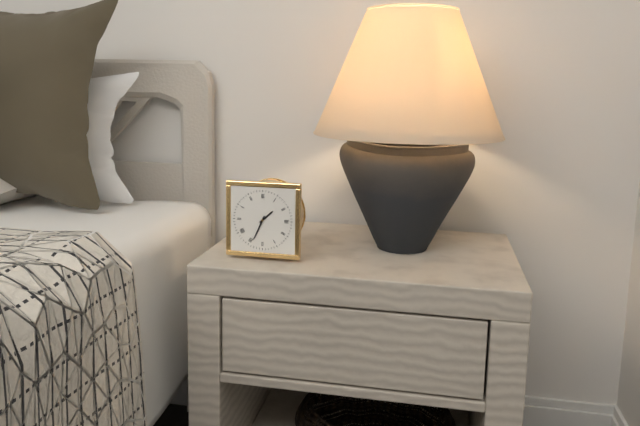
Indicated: **1:34**
